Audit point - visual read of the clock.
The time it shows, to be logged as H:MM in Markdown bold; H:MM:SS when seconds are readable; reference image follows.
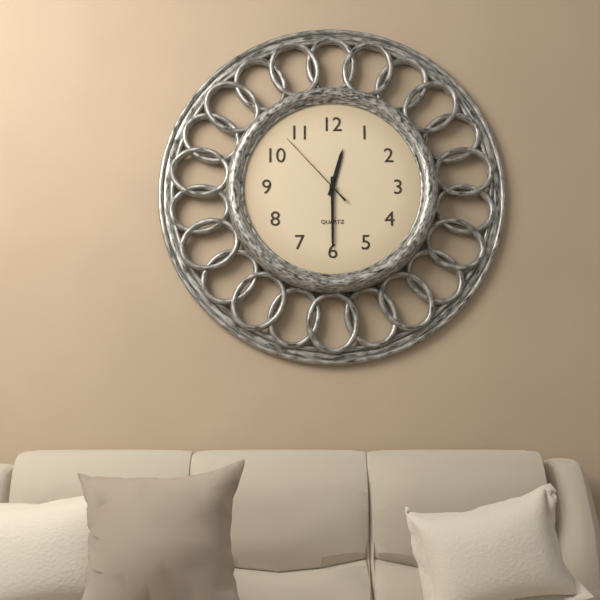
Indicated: **12:30:53**
